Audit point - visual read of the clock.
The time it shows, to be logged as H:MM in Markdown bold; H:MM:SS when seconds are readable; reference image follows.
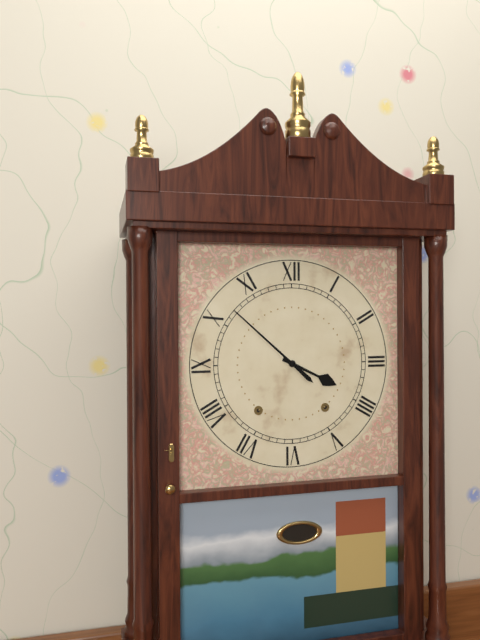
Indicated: **3:52**
